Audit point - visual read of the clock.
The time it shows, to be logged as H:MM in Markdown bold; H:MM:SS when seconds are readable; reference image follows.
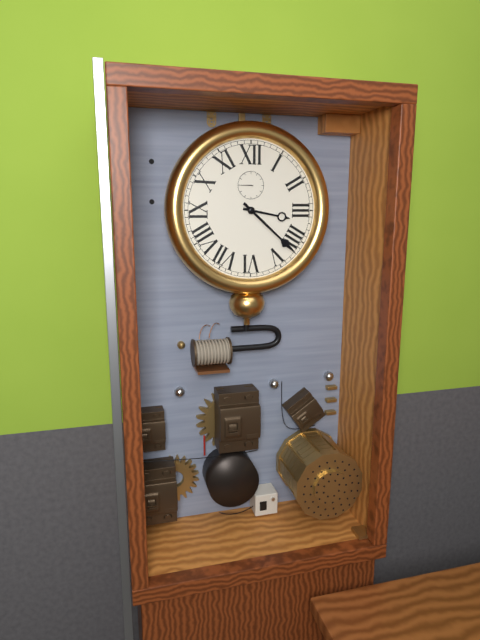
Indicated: **3:22**
